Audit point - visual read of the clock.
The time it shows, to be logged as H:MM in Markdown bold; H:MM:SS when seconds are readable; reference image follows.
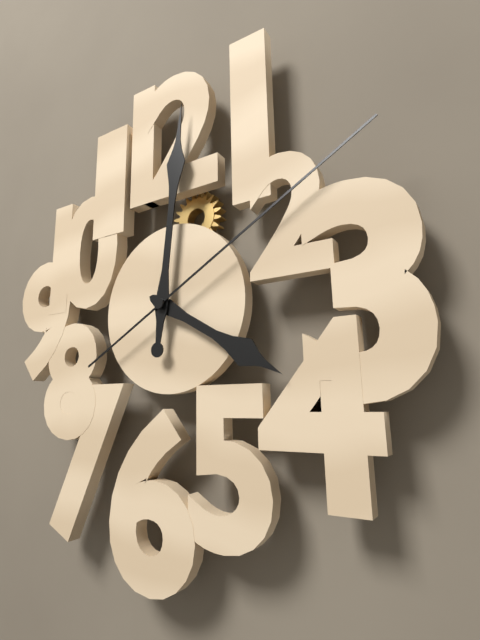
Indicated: **4:01:10**
